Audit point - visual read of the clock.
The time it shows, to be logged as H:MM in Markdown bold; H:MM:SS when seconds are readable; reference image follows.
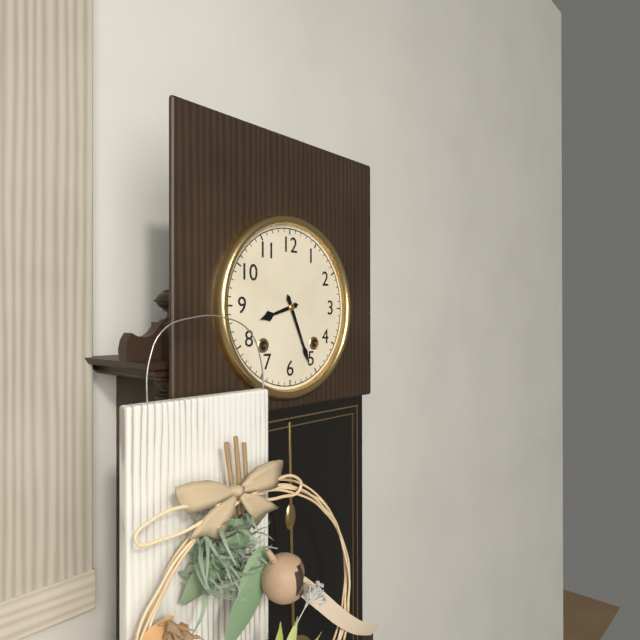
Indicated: **8:26**
